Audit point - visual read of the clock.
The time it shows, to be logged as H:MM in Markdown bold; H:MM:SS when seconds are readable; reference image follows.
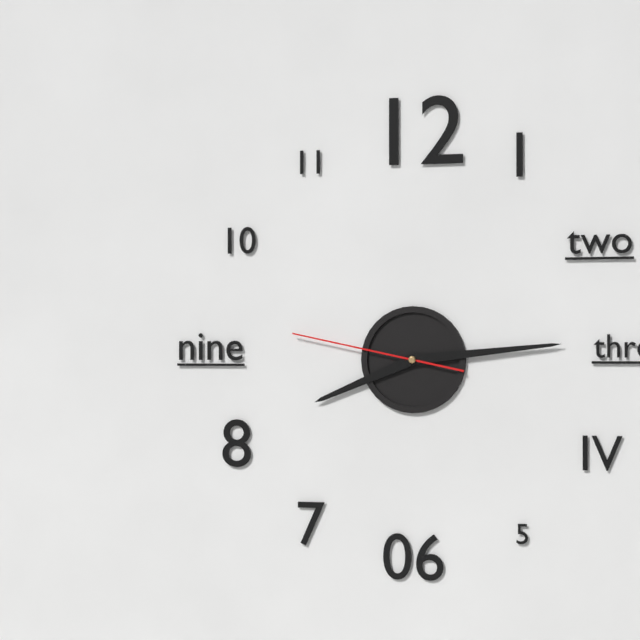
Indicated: **8:14:47**
